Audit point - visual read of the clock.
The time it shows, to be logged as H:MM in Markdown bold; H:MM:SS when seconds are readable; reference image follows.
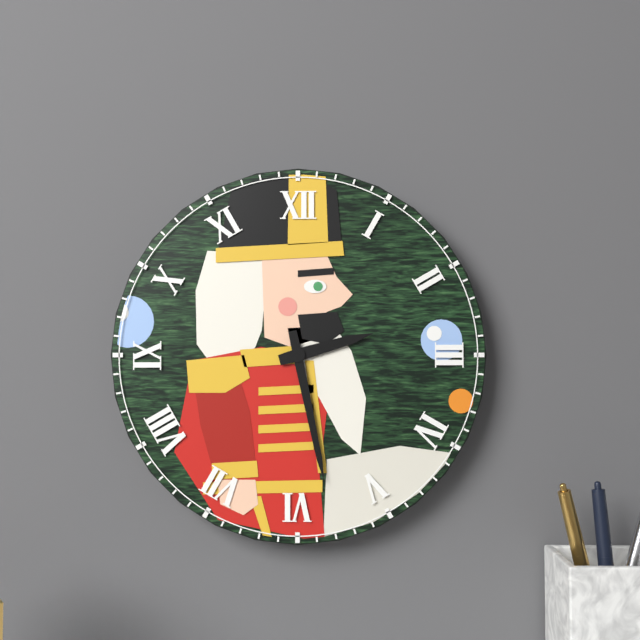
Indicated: **2:28**
